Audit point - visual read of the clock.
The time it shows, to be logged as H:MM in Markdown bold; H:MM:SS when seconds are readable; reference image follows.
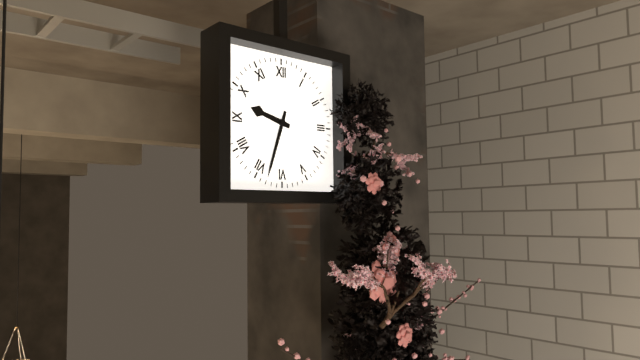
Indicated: **9:33**
